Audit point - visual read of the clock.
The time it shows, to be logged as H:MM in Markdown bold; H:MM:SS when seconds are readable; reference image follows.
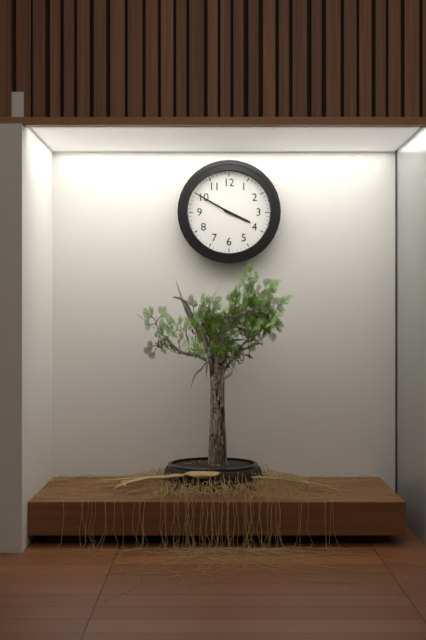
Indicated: **3:50**
